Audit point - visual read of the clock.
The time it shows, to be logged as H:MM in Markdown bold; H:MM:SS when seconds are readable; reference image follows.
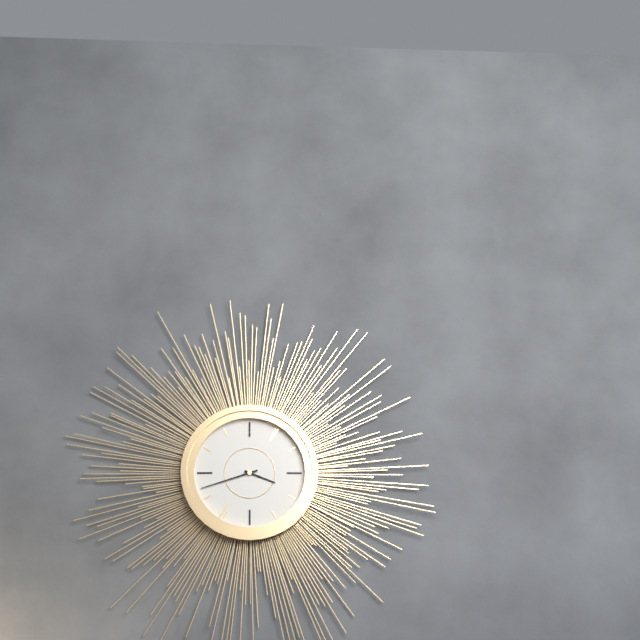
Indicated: **3:42**
